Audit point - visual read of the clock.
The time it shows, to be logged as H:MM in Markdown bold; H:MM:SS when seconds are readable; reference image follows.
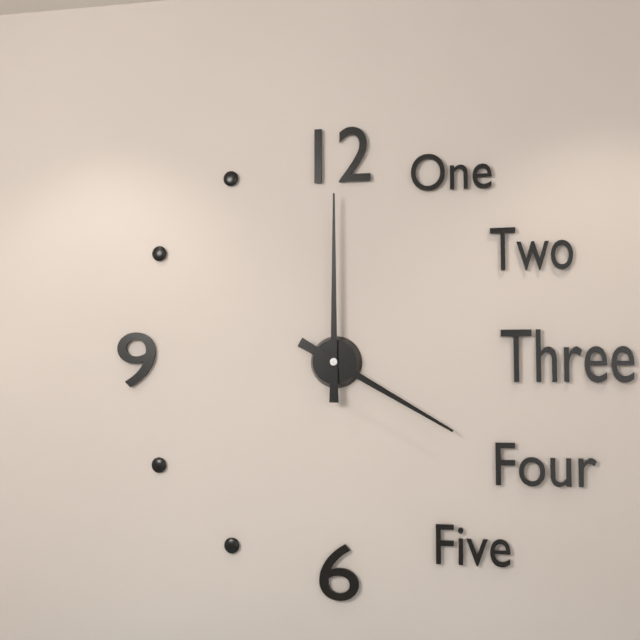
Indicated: **4:00**
